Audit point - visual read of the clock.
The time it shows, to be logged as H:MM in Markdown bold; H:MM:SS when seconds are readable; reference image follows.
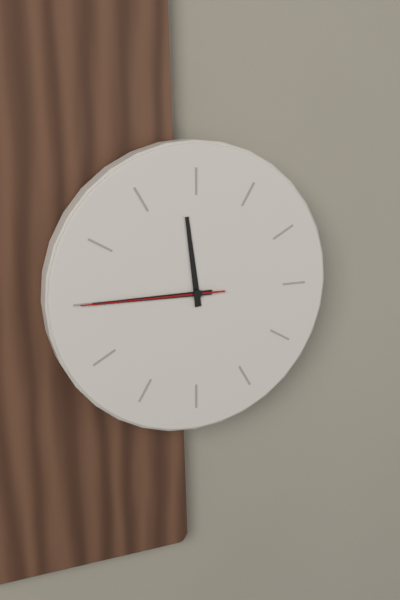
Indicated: **11:45:45**
